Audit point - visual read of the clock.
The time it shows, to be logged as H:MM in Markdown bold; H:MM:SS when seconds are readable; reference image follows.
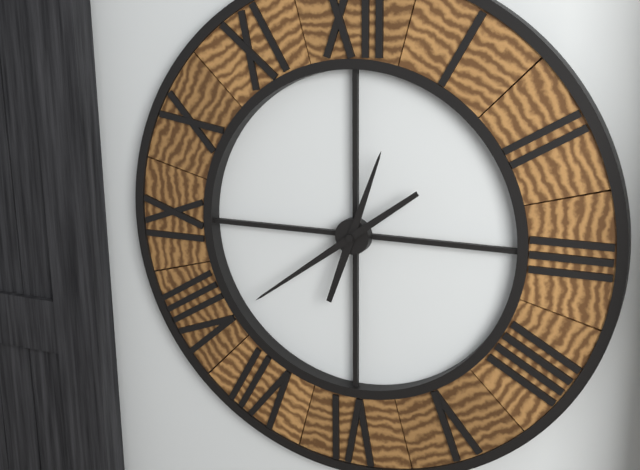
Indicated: **12:39**
